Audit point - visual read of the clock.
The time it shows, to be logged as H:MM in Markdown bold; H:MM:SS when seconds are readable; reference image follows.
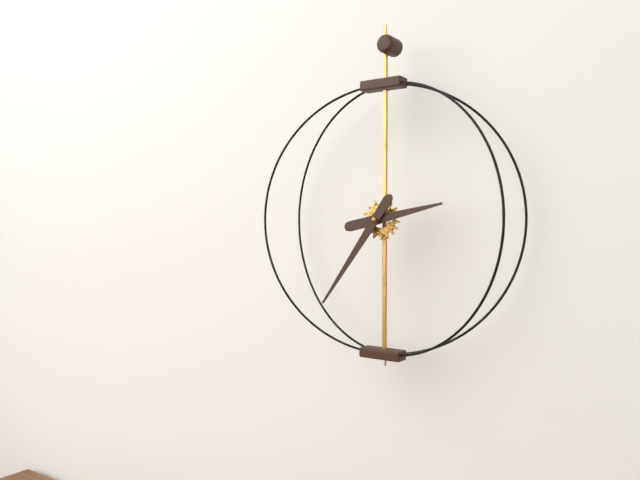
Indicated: **2:36**
